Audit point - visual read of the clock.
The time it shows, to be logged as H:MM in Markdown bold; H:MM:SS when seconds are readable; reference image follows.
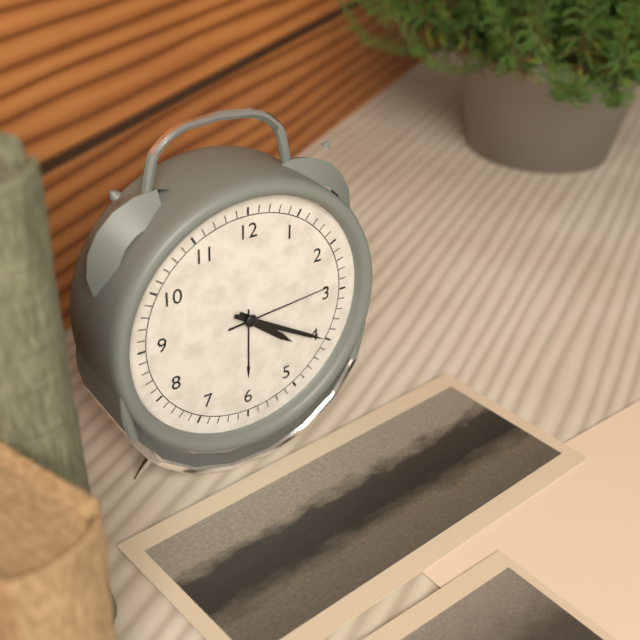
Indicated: **4:20:14**
